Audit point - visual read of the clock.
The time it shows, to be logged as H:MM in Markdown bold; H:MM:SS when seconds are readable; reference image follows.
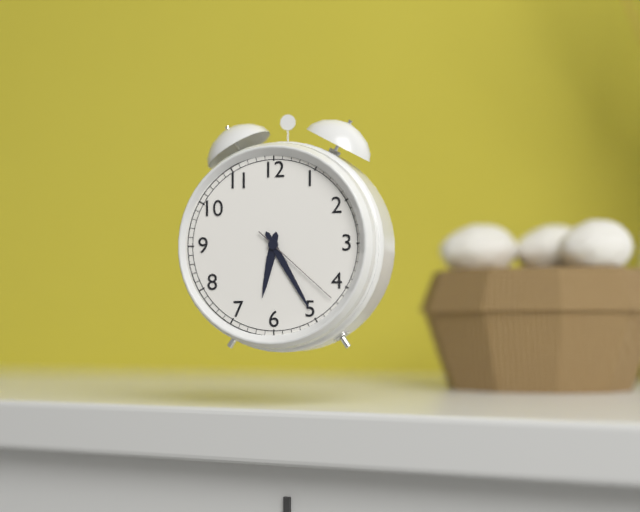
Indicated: **6:25:22**
